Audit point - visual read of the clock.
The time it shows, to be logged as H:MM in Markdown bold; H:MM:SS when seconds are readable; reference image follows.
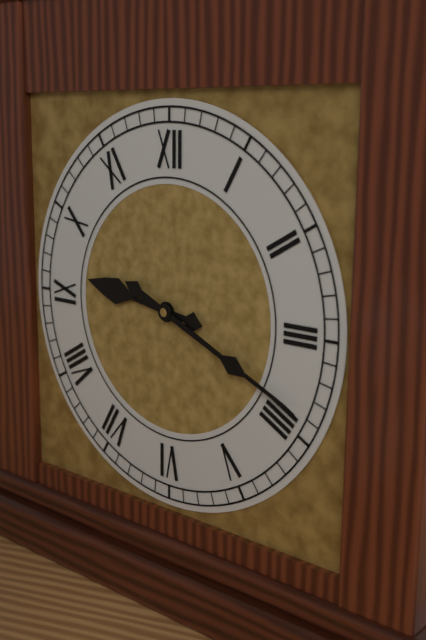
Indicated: **9:19**
